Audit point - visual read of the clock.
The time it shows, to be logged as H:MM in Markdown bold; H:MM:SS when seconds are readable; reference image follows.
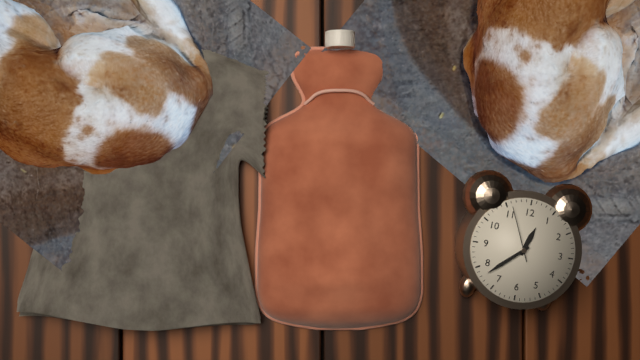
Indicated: **12:38:56**
